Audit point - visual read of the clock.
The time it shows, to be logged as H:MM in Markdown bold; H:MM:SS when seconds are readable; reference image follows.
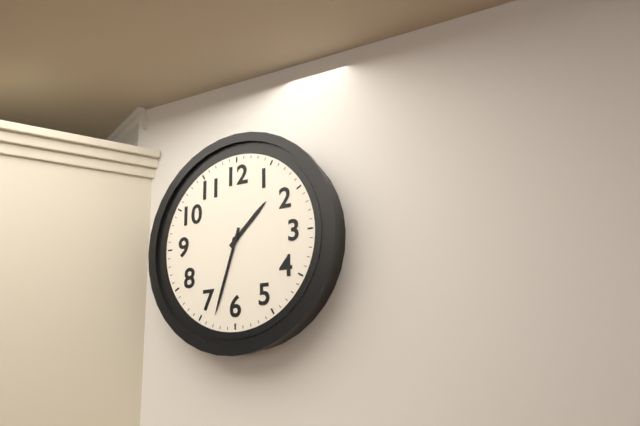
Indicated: **1:33**
